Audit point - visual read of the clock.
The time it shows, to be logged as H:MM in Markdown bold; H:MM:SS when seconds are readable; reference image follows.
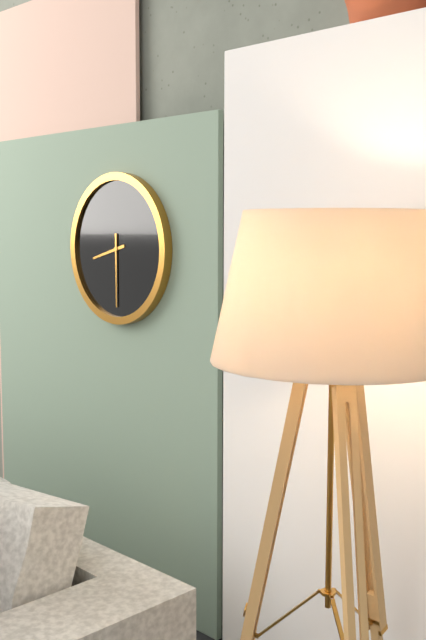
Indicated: **8:30**
